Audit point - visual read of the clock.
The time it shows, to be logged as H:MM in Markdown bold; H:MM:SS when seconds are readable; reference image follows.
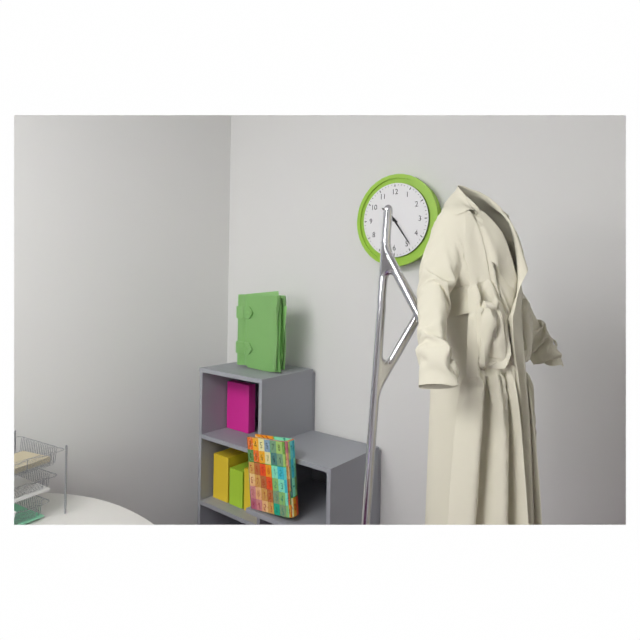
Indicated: **10:24**
